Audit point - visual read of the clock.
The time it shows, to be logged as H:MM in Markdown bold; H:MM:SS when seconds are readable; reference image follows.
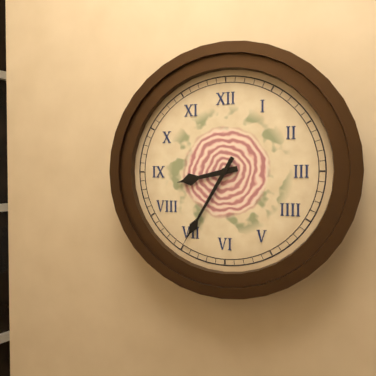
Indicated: **8:35**
